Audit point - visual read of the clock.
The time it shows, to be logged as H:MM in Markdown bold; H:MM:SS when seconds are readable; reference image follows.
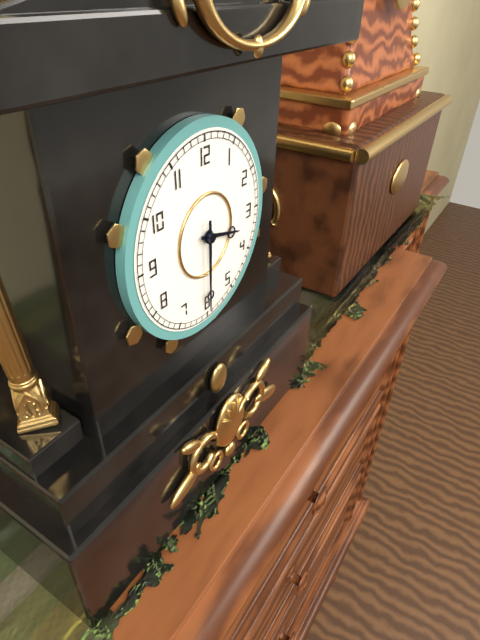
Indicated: **3:30**
